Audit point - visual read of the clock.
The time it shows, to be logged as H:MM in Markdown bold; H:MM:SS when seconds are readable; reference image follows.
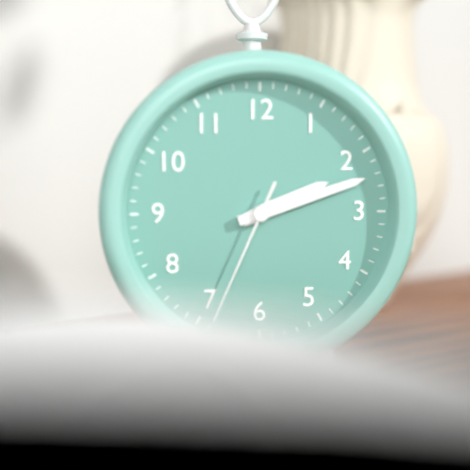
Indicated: **2:12:34**
